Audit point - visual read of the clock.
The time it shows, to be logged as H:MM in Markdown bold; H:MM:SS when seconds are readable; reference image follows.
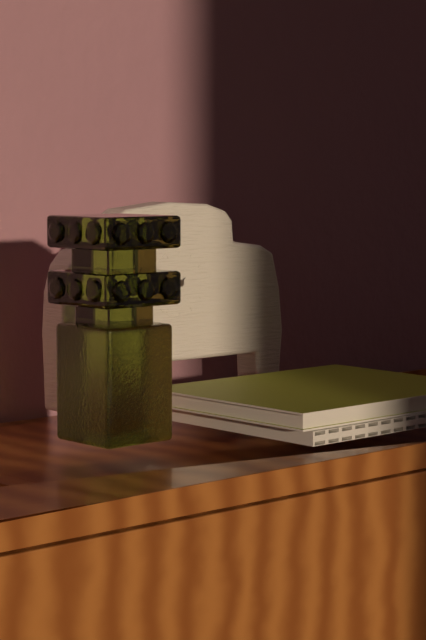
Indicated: **9:41**
